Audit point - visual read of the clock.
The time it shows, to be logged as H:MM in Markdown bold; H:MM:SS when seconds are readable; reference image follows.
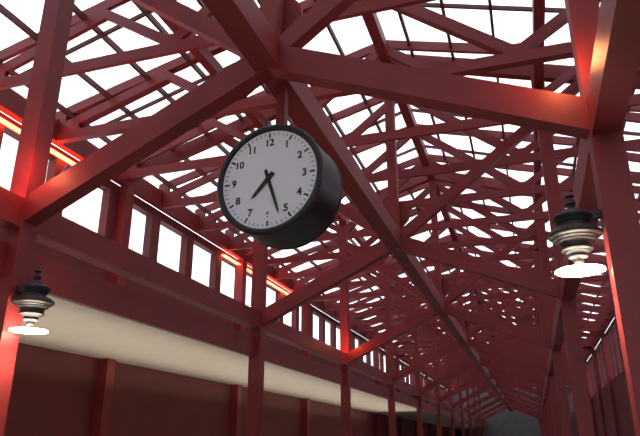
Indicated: **7:27**
